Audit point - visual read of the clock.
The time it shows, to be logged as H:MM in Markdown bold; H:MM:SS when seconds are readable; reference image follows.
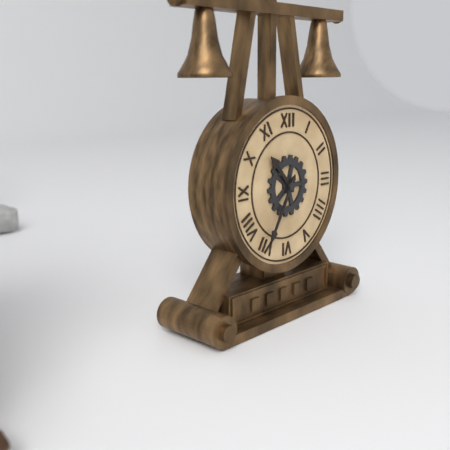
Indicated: **10:35**
